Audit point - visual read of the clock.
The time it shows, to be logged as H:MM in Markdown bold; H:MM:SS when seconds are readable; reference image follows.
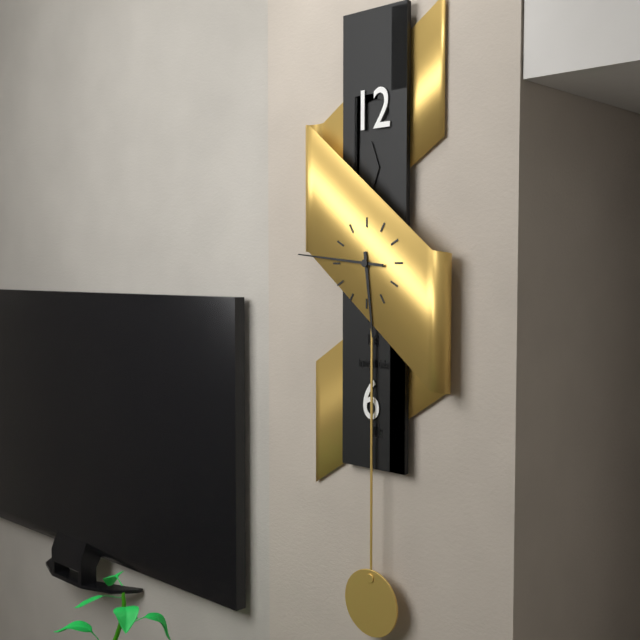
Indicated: **5:46**
